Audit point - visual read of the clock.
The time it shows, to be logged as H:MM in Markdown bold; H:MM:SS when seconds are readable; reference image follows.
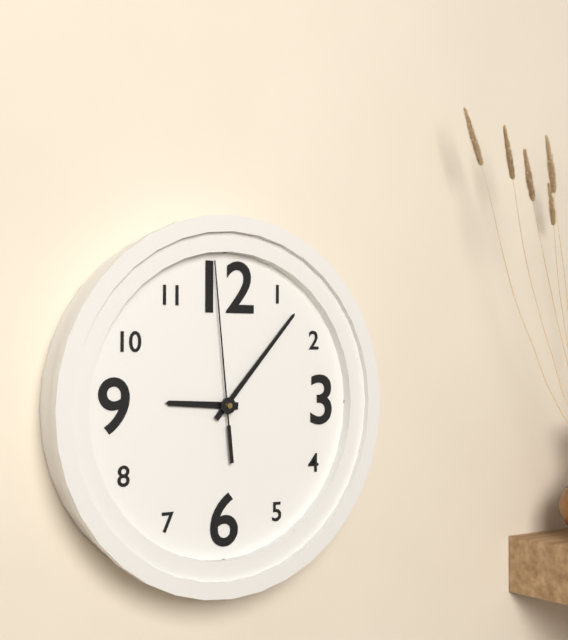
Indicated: **9:07:59**
